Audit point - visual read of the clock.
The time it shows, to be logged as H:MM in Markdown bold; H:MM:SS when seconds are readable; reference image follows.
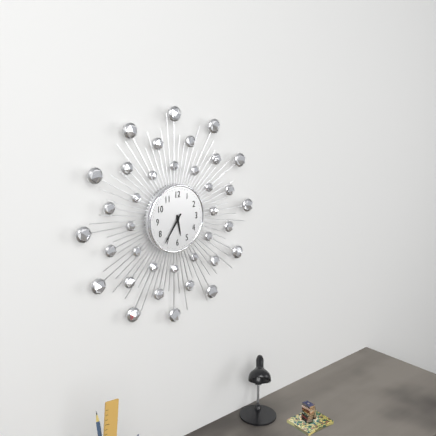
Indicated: **5:36**
